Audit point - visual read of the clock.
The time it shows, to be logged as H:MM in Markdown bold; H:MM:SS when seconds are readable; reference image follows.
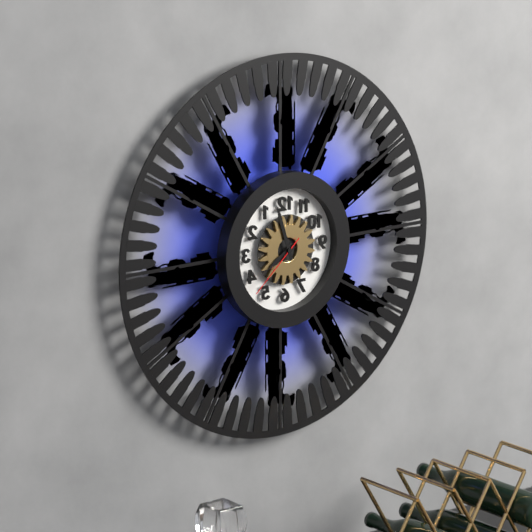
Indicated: **7:57:38**
